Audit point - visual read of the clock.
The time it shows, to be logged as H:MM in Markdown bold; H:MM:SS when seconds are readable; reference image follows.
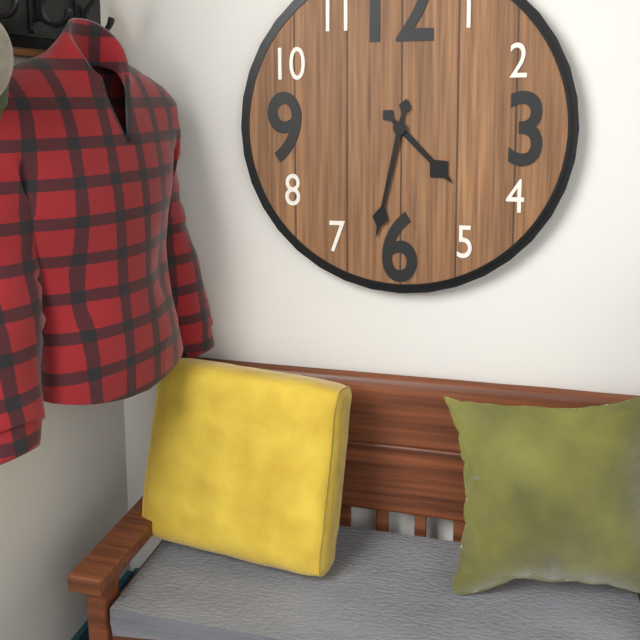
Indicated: **4:32**
